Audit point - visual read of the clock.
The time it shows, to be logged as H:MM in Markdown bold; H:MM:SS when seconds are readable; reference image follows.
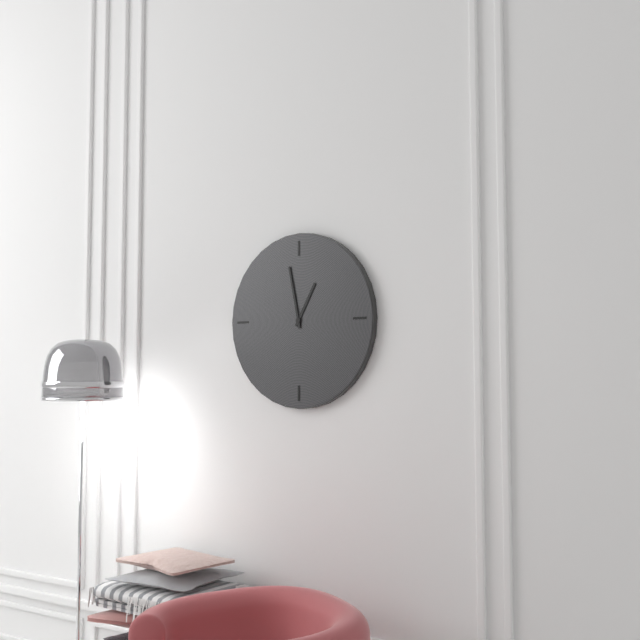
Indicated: **12:58**
